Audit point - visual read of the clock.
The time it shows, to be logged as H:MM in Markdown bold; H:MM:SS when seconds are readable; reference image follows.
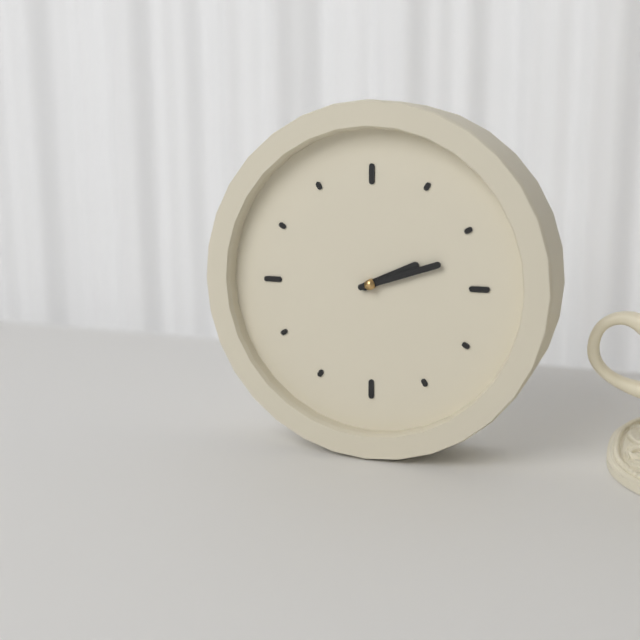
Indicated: **2:12**
